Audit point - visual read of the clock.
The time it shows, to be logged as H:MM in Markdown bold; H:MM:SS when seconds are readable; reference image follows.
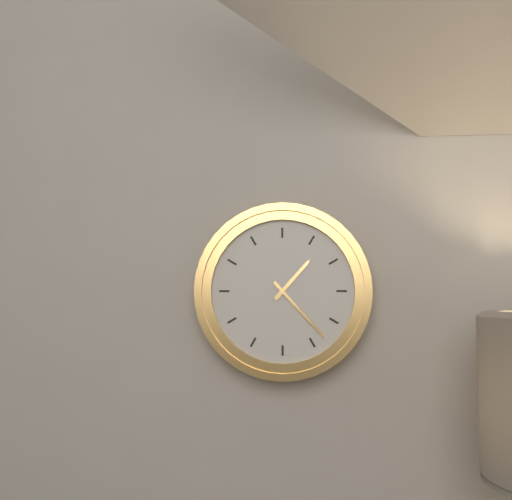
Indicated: **1:23**
